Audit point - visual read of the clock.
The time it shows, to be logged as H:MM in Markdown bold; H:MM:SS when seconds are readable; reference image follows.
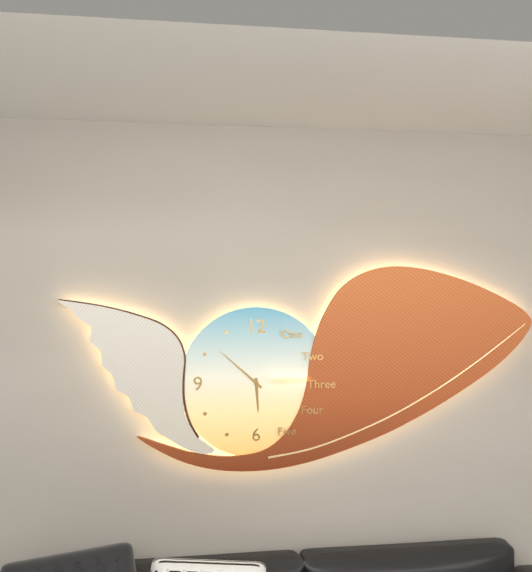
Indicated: **5:52**
